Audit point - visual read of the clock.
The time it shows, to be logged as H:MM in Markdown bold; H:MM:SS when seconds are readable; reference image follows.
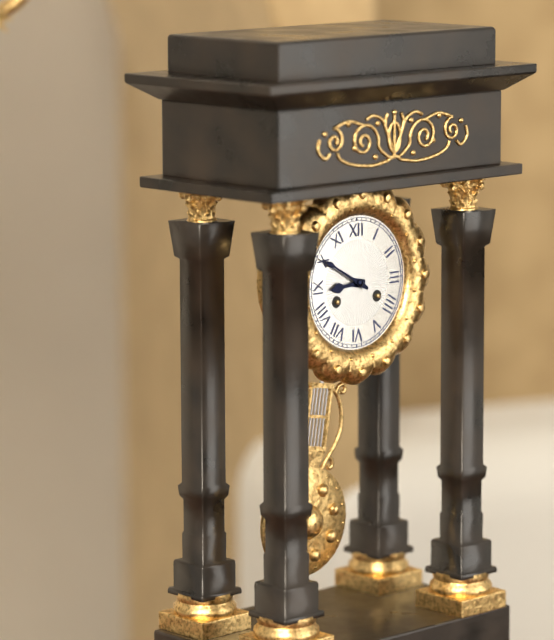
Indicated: **8:50**
